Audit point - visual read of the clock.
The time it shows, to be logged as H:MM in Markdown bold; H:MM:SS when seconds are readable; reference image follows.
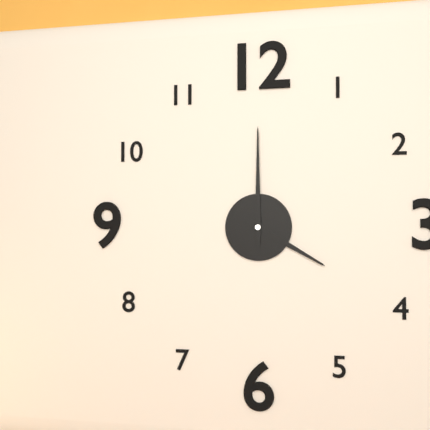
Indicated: **4:00**
